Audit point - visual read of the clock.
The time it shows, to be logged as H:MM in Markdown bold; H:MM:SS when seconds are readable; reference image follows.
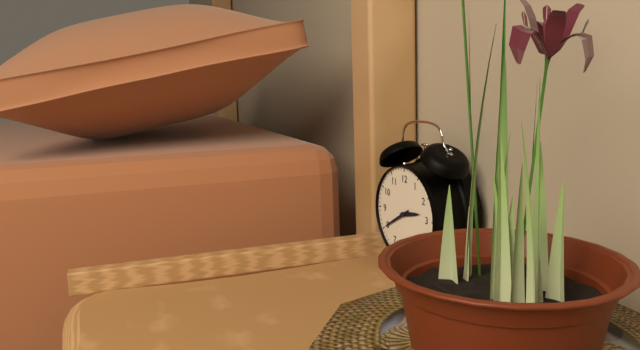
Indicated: **2:40**
